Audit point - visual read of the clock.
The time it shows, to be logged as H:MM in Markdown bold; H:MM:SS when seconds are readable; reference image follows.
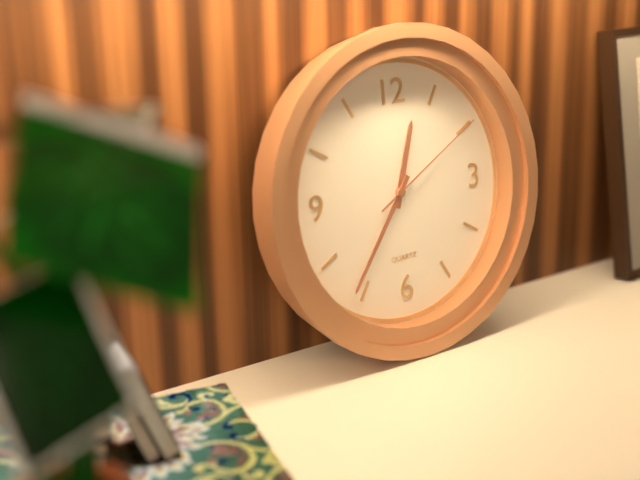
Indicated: **12:36:10**
